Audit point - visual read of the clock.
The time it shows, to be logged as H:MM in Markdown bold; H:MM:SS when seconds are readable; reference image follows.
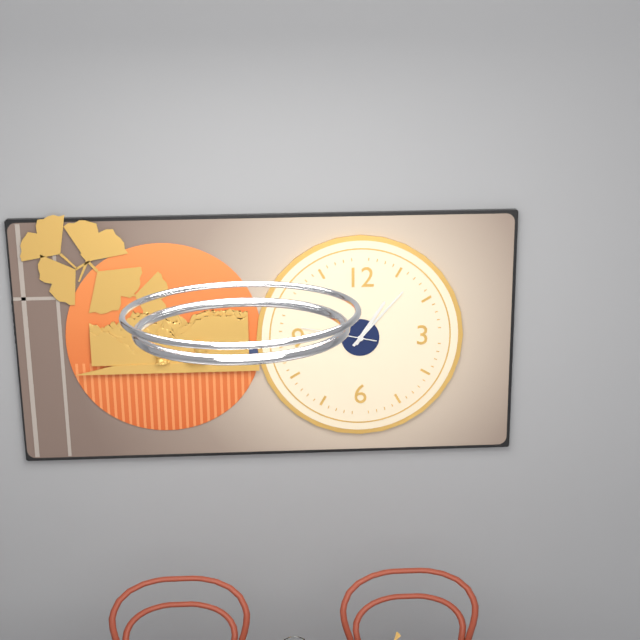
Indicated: **1:07:47**
